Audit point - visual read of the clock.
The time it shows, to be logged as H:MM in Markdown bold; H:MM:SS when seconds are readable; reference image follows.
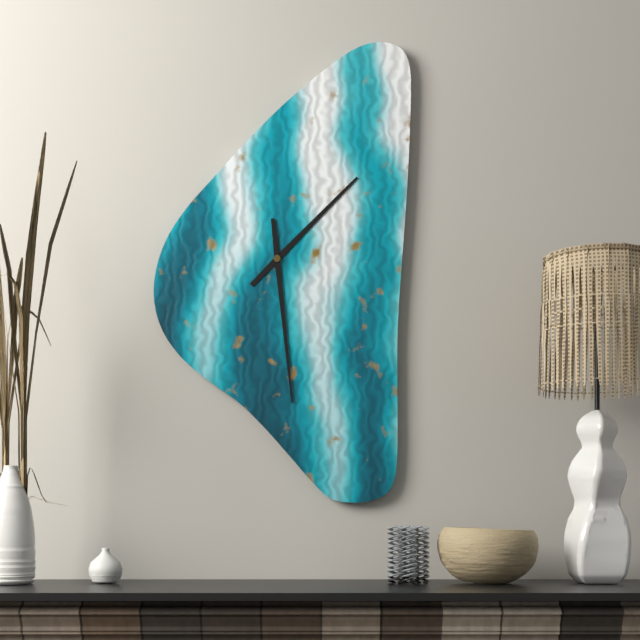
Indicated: **1:29**
